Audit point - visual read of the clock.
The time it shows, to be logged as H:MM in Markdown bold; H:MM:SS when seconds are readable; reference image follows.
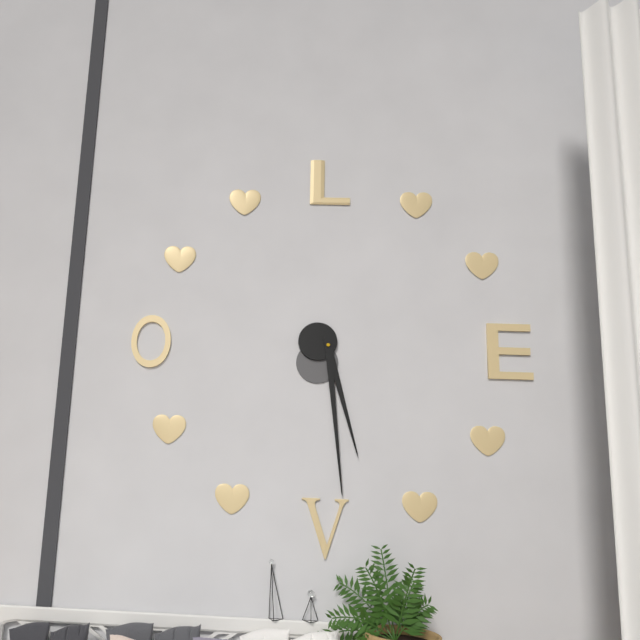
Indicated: **5:29**
